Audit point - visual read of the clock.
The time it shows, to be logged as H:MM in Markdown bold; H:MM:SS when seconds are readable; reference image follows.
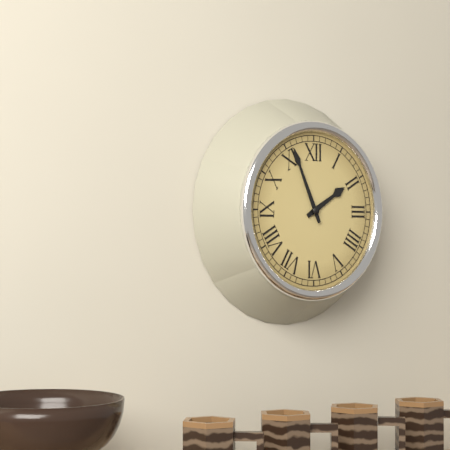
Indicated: **1:56**
